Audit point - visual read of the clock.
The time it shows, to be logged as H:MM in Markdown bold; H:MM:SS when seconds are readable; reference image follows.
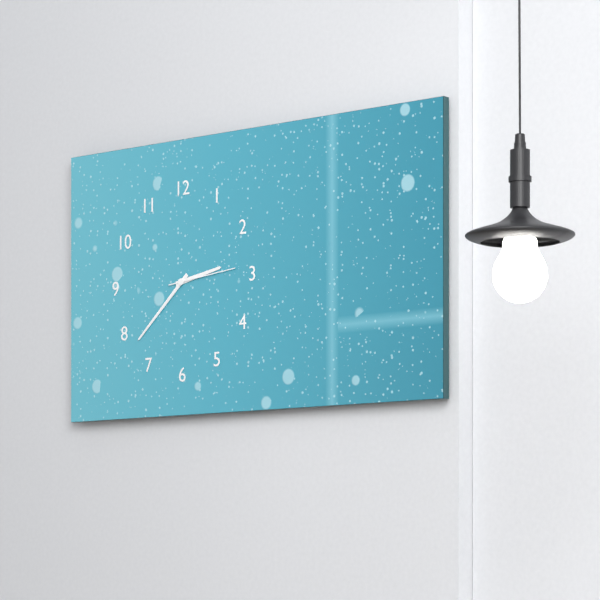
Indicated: **2:38:14**
